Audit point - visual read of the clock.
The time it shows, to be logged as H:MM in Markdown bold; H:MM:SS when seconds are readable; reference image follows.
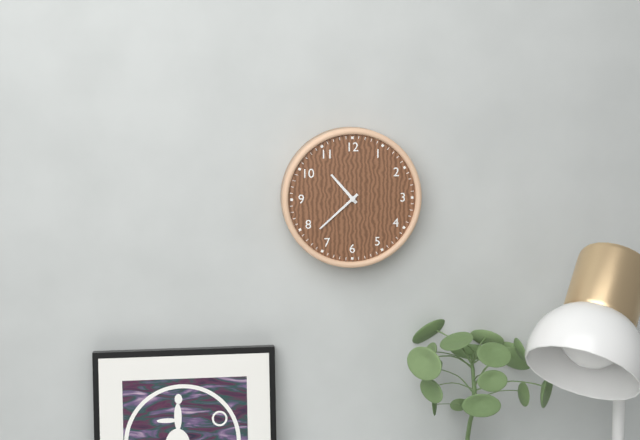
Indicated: **10:38**
